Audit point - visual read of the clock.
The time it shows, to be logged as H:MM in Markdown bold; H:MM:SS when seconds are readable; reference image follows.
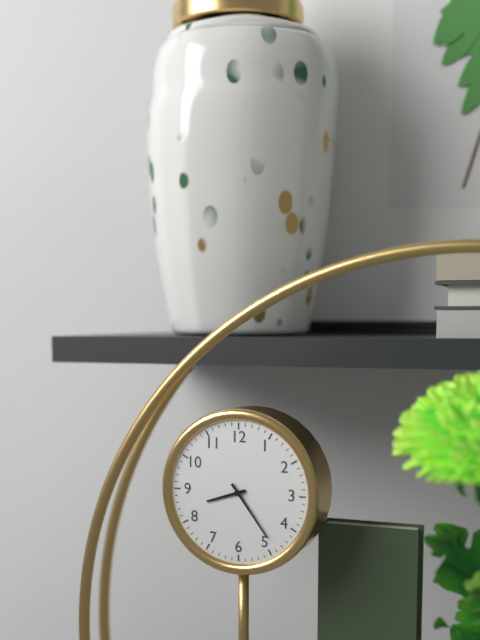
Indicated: **8:24**
